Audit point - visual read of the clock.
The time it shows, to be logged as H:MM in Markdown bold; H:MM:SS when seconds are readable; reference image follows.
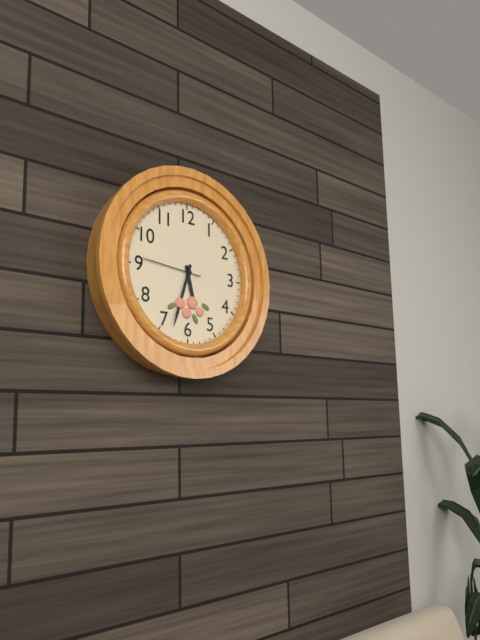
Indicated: **5:33:46**
